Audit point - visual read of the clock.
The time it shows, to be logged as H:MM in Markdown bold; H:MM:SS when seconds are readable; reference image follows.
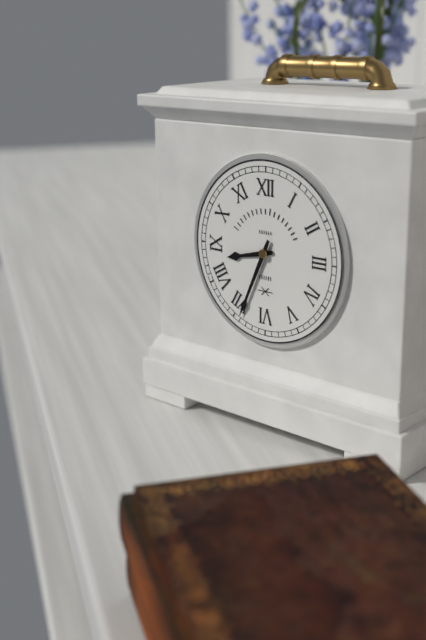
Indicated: **8:34**
